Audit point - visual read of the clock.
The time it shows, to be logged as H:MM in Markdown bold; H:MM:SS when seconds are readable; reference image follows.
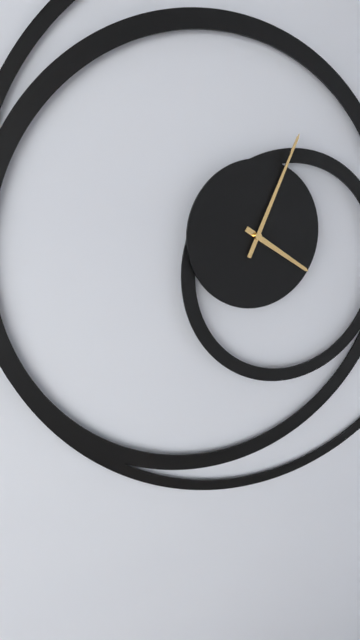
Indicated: **4:04**
